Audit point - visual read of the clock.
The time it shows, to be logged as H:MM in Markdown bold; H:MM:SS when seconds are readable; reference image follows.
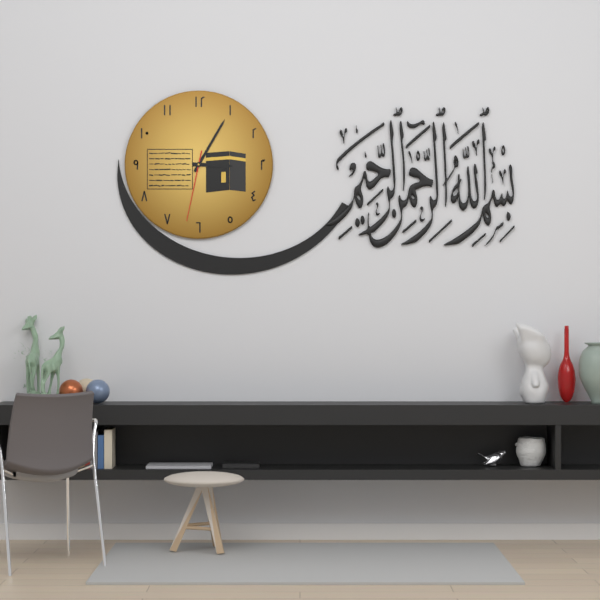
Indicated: **3:05:32**
